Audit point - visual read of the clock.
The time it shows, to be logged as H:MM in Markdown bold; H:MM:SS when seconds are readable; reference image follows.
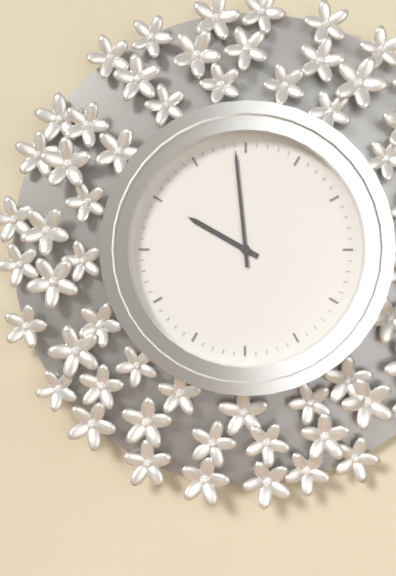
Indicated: **9:59**
